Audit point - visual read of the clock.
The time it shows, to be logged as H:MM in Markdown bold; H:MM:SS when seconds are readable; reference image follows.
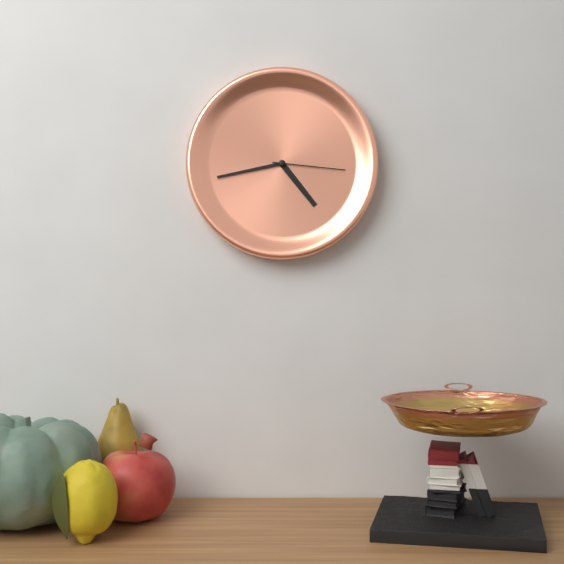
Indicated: **4:43:16**
